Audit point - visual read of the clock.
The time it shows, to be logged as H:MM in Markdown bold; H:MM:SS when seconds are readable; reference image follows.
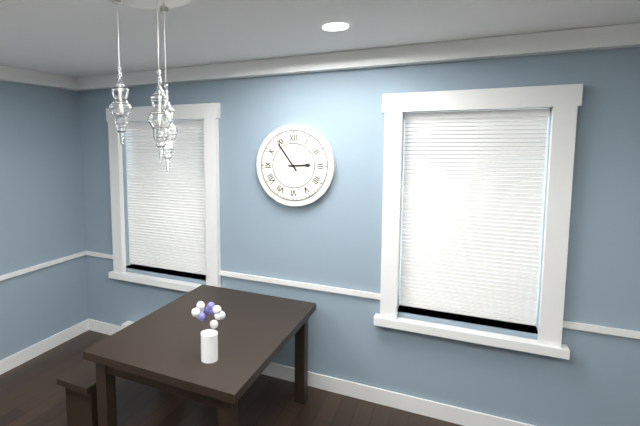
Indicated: **2:54**
